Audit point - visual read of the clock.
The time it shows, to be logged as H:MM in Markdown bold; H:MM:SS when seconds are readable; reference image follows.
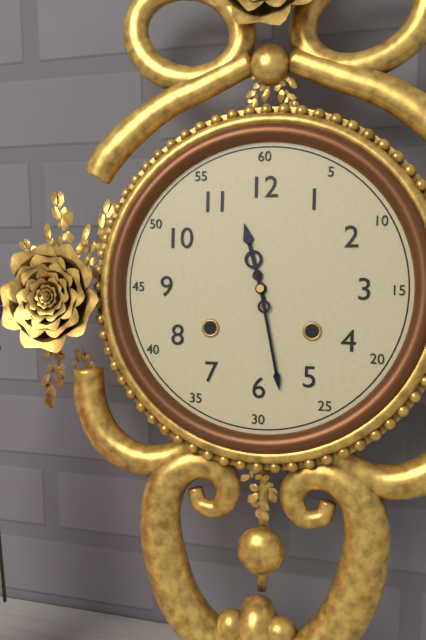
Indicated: **11:28**
